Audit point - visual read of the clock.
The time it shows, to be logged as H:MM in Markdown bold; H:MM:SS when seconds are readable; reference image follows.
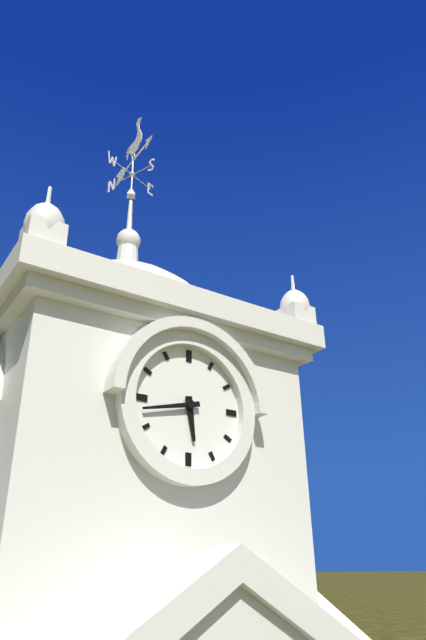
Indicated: **5:43**
